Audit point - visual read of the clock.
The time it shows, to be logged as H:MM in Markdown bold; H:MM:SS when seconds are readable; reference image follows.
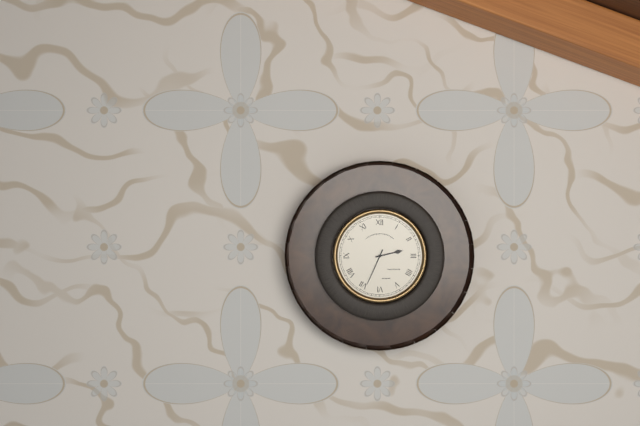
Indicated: **2:34**
